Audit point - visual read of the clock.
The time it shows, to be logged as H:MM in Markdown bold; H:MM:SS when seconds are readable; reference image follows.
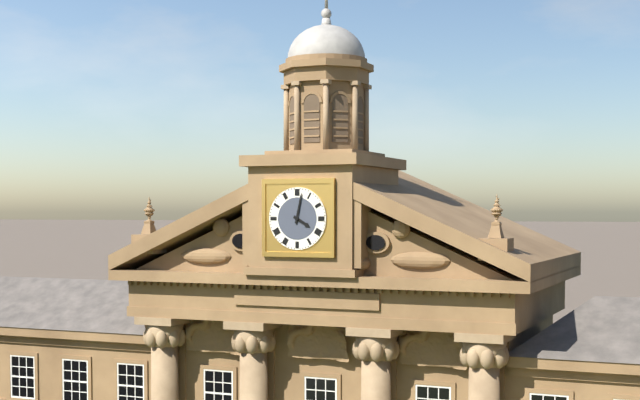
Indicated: **4:02**
